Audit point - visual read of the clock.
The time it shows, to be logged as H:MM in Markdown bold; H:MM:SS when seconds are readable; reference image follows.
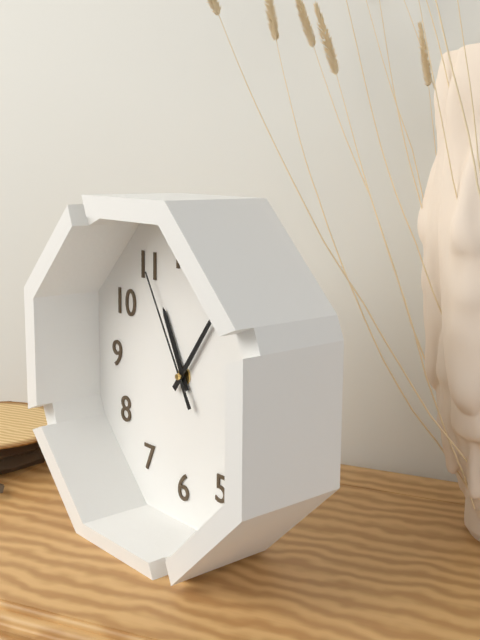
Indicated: **11:06:55**
